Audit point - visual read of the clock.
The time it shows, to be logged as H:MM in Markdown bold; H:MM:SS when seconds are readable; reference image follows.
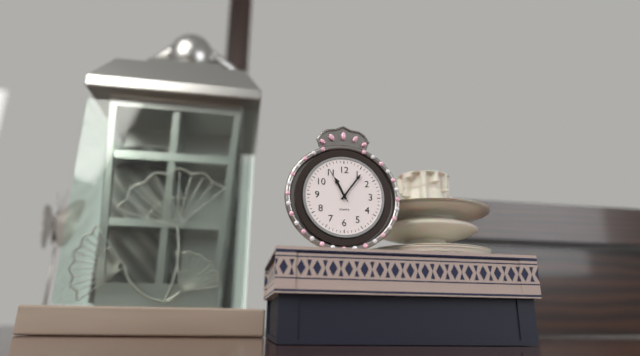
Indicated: **11:06**
